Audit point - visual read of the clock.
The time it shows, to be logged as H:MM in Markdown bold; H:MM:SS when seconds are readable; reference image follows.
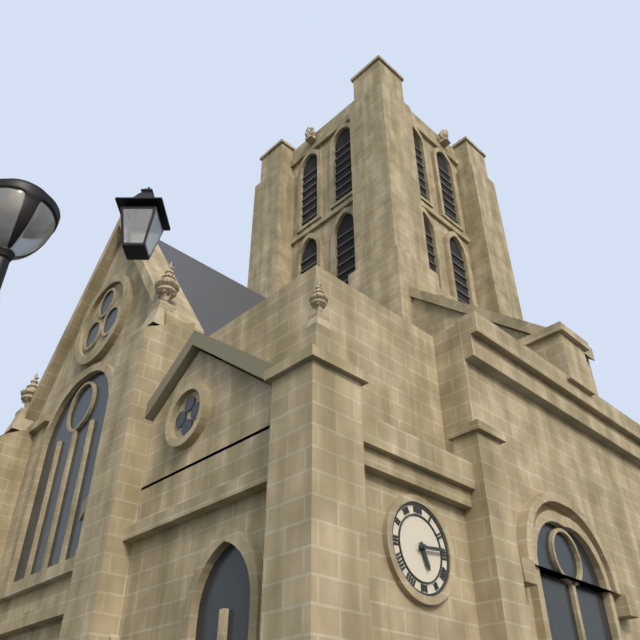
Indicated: **5:14**
